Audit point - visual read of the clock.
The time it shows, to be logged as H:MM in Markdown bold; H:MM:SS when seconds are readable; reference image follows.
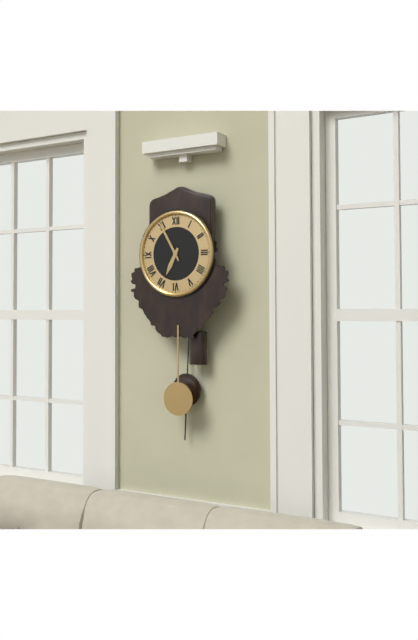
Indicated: **6:55**
